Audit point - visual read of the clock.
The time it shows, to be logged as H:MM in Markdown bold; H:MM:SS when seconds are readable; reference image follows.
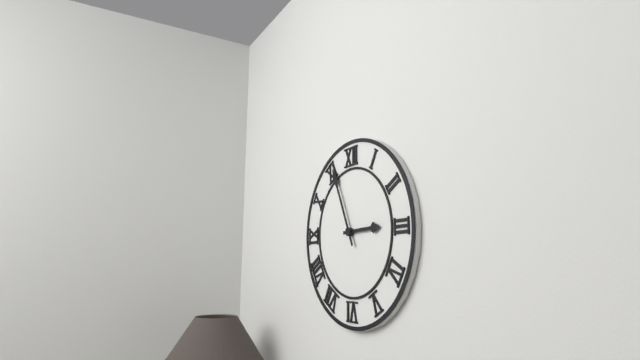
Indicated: **2:56**
